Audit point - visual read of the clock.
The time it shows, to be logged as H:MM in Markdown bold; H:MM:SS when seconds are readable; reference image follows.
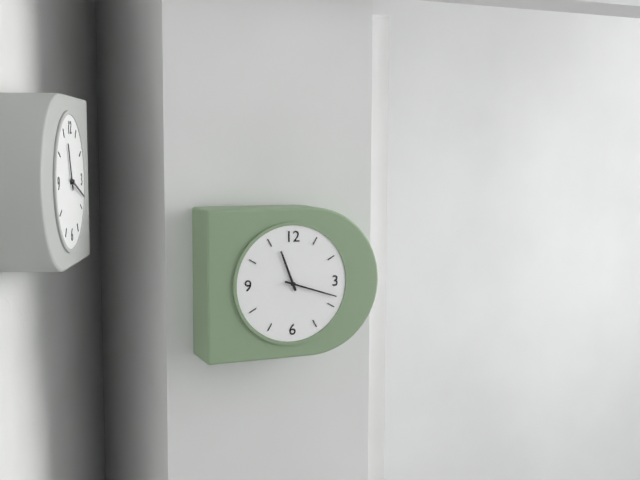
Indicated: **11:18**
